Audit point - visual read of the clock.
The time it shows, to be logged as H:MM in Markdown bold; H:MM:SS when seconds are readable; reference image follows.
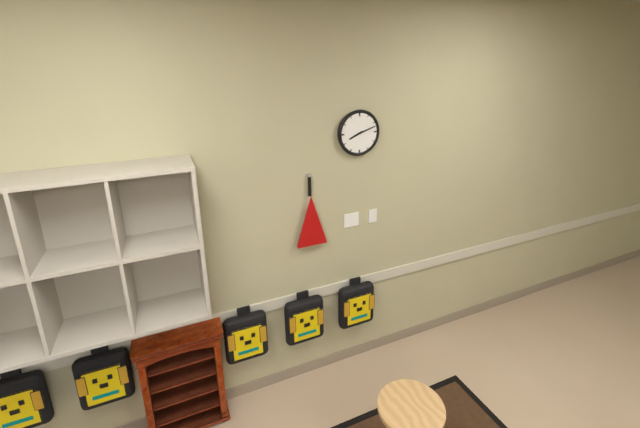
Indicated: **8:12**
